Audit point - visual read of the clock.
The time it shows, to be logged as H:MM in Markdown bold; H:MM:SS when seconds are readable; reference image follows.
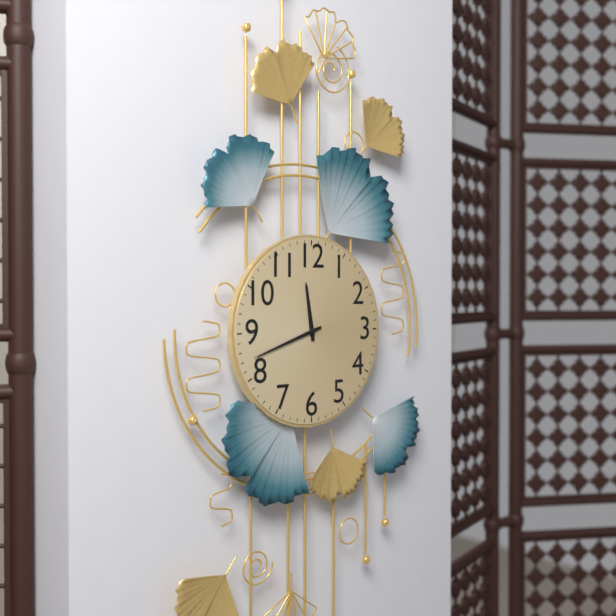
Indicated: **11:42**
